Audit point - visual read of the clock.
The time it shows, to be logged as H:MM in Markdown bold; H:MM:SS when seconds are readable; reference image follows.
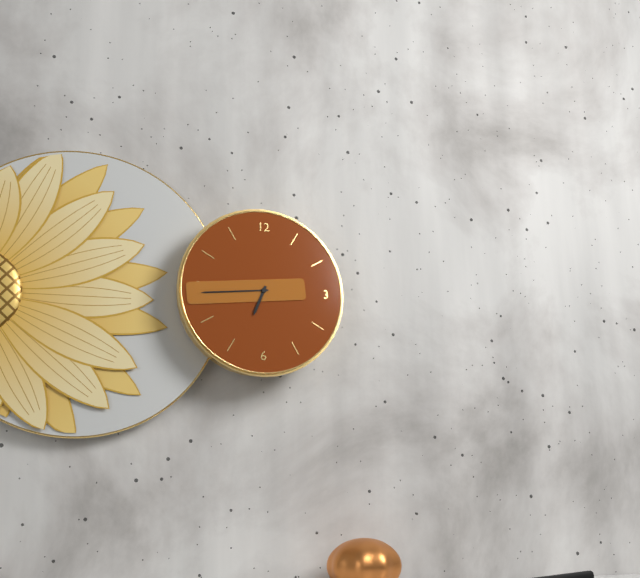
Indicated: **6:44**
